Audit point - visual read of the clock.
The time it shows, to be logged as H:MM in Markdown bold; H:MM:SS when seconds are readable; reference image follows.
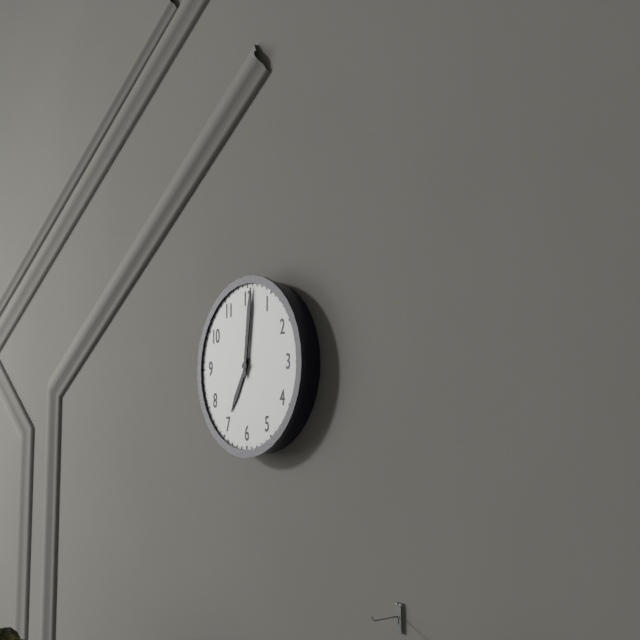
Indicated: **7:01**
